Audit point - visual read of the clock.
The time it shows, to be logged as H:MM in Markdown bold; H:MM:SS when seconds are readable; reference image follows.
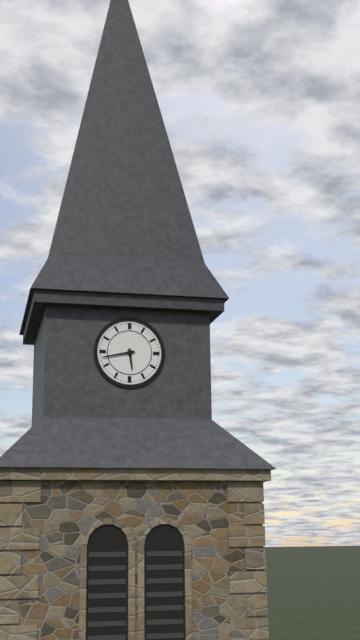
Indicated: **5:43**
